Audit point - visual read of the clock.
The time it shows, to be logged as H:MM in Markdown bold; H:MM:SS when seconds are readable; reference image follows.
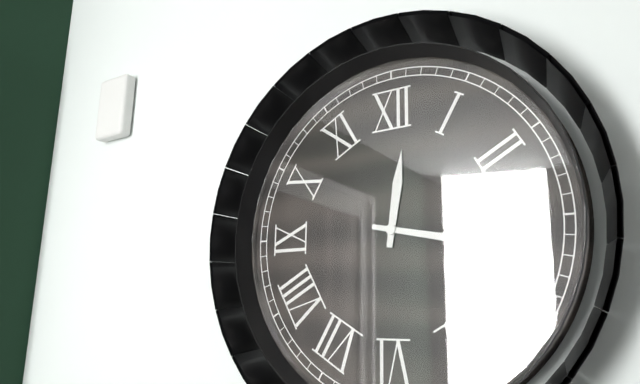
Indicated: **12:17**
